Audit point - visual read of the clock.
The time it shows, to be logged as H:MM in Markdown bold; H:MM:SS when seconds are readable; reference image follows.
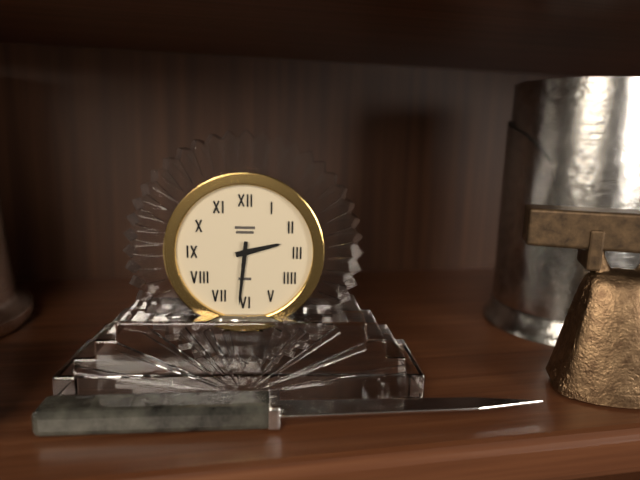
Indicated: **2:31**
